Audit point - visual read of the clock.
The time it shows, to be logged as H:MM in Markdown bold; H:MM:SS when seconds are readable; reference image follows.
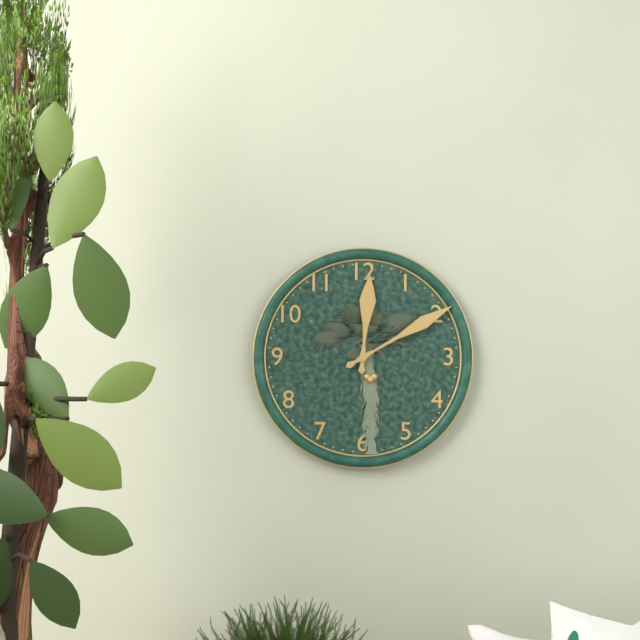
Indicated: **12:10**
